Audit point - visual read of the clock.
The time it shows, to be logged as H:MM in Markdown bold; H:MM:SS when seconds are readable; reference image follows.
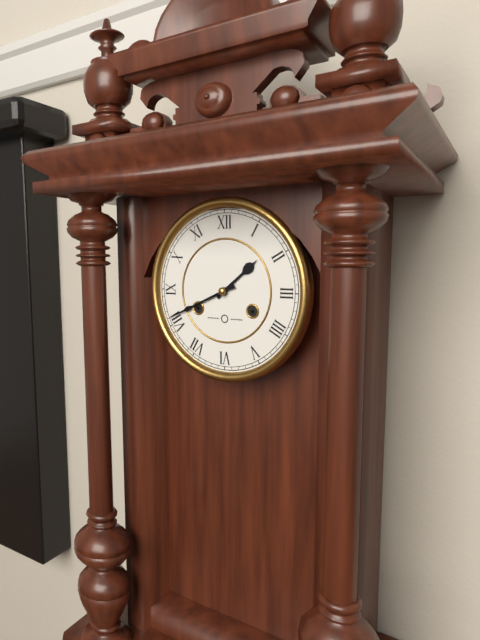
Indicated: **1:41**
